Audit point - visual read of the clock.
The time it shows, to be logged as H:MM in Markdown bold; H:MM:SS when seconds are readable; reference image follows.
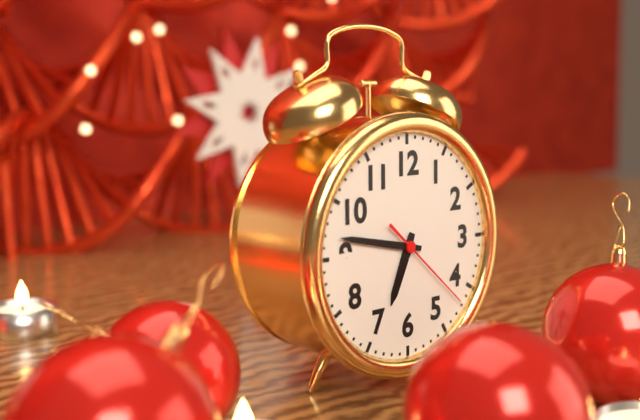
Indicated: **6:47:22**
